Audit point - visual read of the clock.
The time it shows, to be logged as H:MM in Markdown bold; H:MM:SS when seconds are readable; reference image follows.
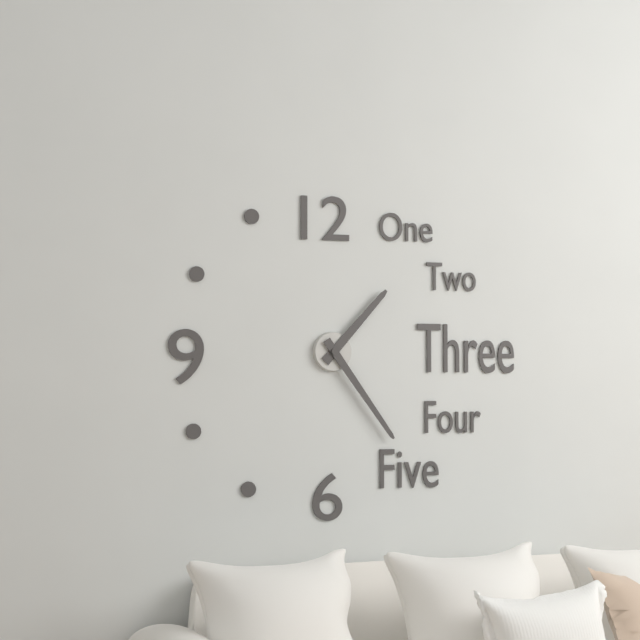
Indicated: **1:24**
